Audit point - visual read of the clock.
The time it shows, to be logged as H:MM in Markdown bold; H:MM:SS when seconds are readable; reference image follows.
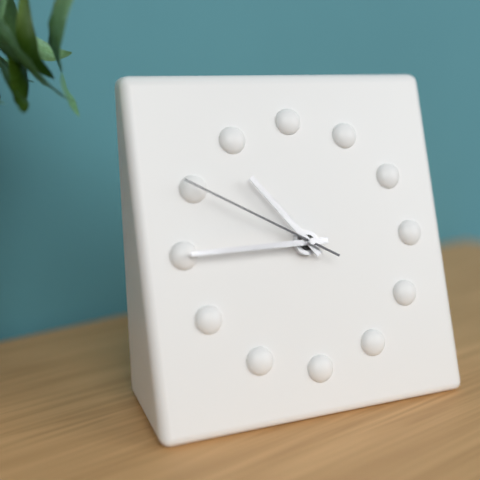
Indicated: **10:45:50**
